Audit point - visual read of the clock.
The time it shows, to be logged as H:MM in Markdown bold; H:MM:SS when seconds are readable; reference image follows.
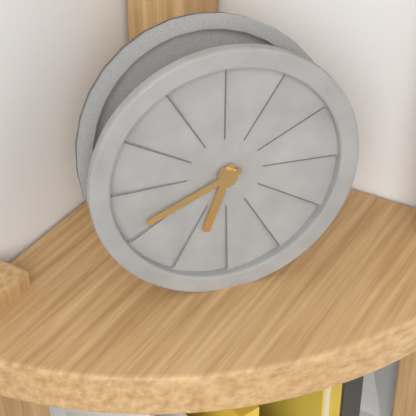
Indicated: **6:41**
